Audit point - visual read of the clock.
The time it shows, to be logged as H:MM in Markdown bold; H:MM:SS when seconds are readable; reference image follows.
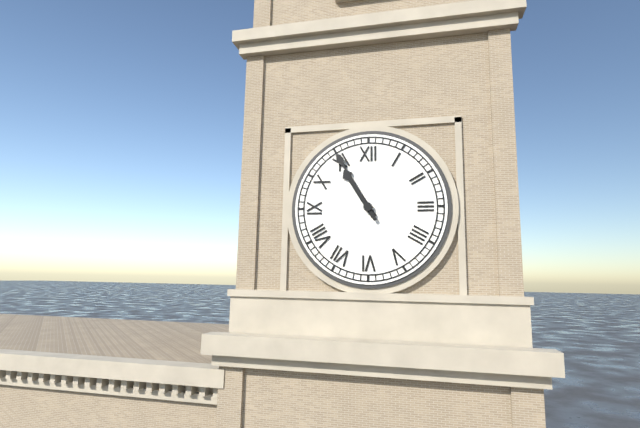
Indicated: **10:55**
